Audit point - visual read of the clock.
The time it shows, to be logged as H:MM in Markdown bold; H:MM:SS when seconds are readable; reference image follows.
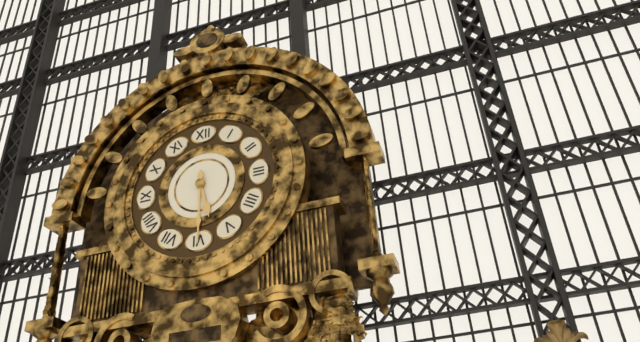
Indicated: **5:30**
